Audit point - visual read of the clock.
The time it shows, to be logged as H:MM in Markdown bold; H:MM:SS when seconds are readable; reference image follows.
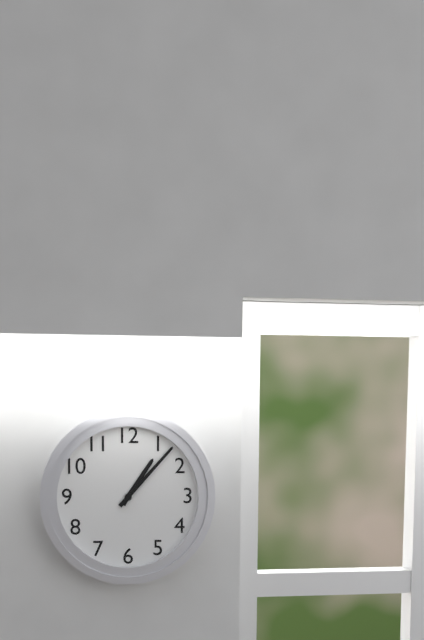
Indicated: **1:07**
